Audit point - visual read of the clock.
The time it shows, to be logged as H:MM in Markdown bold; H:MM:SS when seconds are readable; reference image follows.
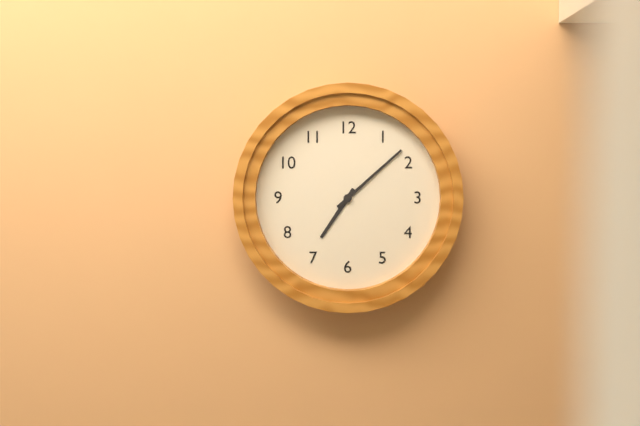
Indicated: **7:08**
